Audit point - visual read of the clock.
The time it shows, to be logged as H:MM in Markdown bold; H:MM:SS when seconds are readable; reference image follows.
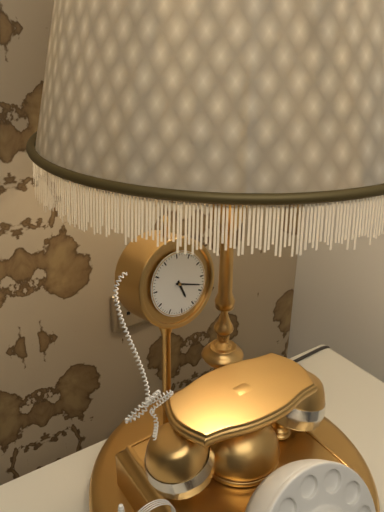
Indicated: **5:18**
